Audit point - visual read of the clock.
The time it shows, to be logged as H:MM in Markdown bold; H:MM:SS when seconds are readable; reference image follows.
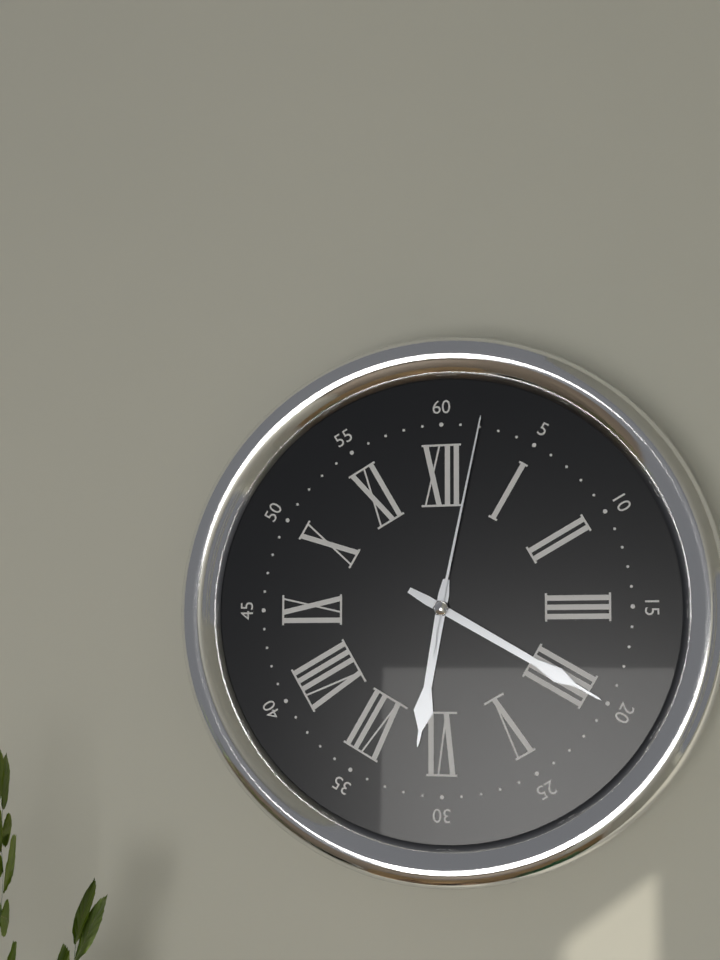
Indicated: **6:20:02**
